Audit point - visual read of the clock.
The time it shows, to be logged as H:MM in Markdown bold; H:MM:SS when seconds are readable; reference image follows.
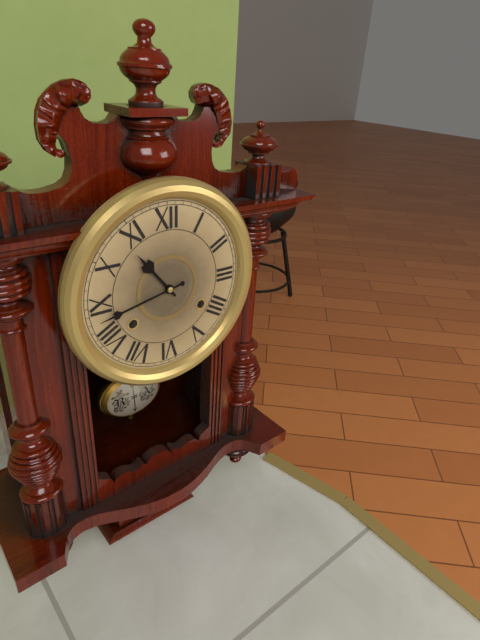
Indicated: **10:43**
